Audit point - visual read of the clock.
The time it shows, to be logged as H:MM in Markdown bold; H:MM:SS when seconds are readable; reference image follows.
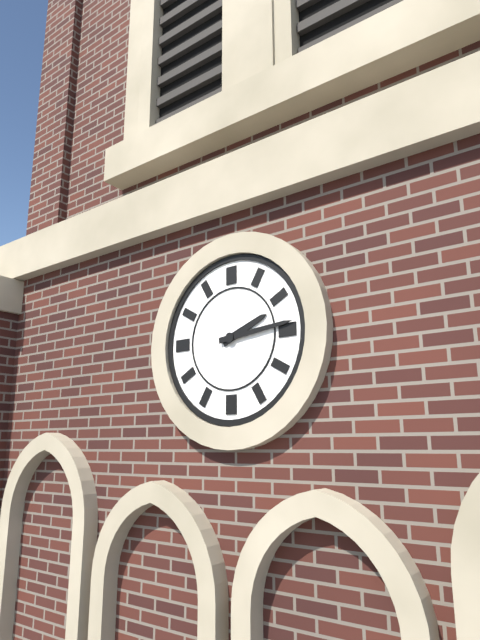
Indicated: **2:14**
